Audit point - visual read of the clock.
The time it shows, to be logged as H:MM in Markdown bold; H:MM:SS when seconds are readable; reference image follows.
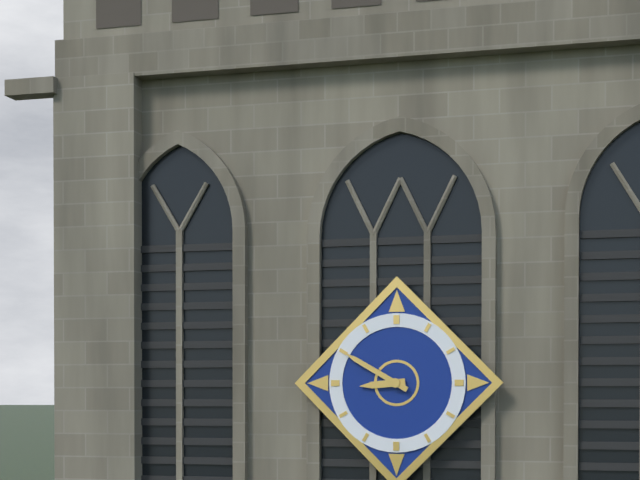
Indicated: **8:50**
